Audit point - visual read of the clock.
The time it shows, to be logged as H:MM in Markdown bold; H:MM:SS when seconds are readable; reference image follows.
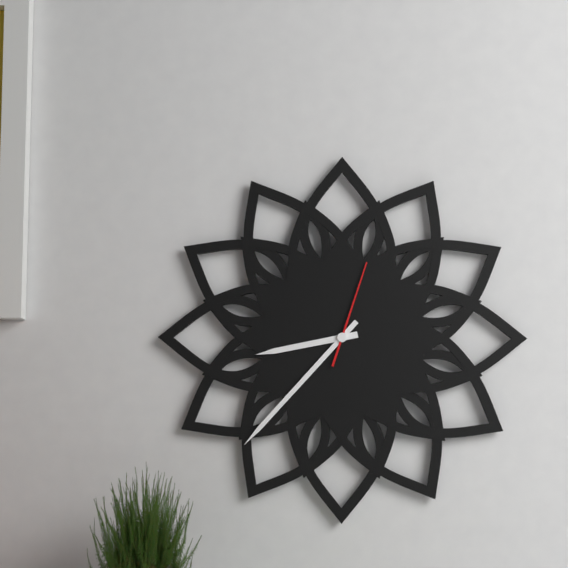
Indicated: **8:37:03**
